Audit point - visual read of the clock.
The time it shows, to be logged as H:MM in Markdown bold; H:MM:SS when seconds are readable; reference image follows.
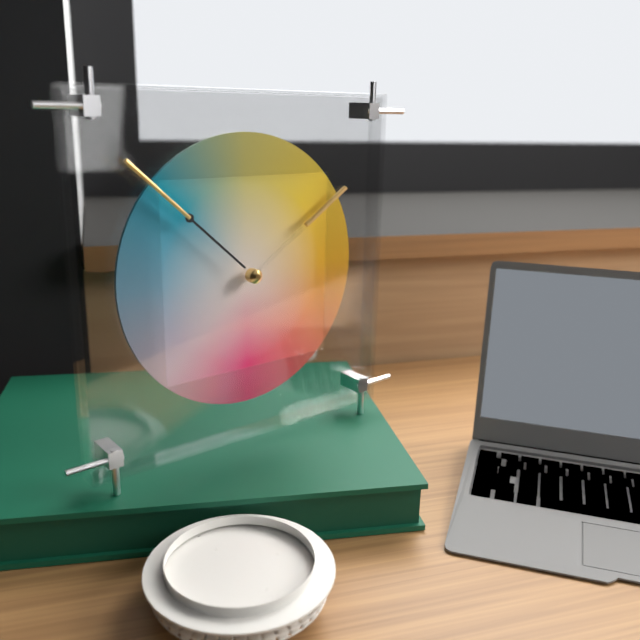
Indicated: **1:52**
